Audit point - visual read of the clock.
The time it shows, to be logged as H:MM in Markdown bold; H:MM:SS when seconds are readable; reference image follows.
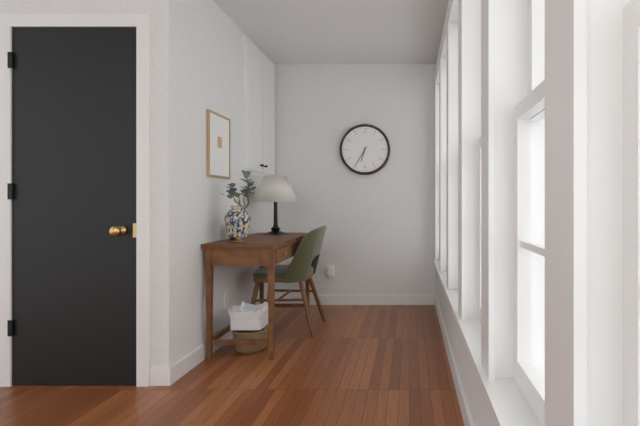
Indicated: **6:35**
